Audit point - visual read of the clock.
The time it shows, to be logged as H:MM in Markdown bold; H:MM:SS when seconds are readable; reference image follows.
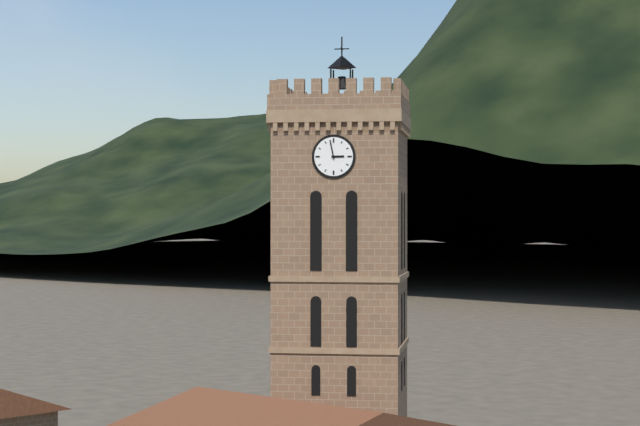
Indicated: **2:58**
